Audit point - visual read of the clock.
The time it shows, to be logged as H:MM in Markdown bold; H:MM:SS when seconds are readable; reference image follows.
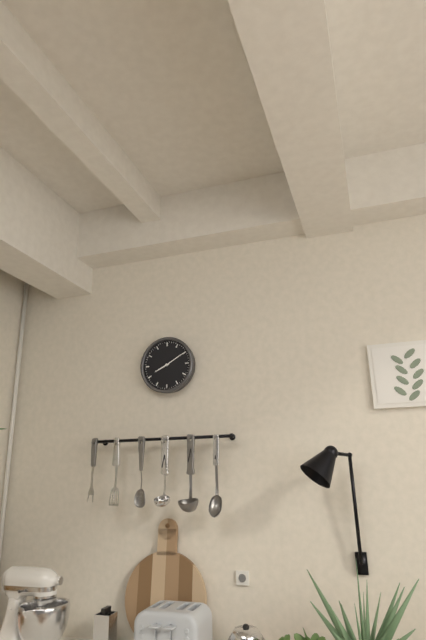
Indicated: **8:10**
